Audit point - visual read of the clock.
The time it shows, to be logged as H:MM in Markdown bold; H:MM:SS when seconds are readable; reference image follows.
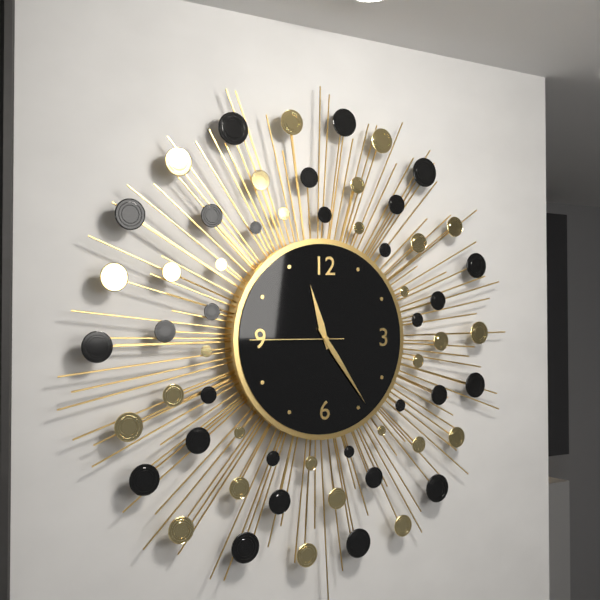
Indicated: **11:24:45**
